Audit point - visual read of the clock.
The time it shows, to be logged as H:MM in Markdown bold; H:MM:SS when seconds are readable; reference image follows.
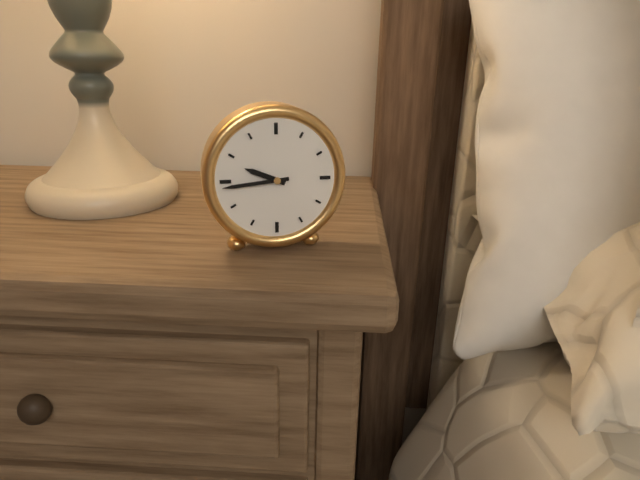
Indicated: **9:44**
